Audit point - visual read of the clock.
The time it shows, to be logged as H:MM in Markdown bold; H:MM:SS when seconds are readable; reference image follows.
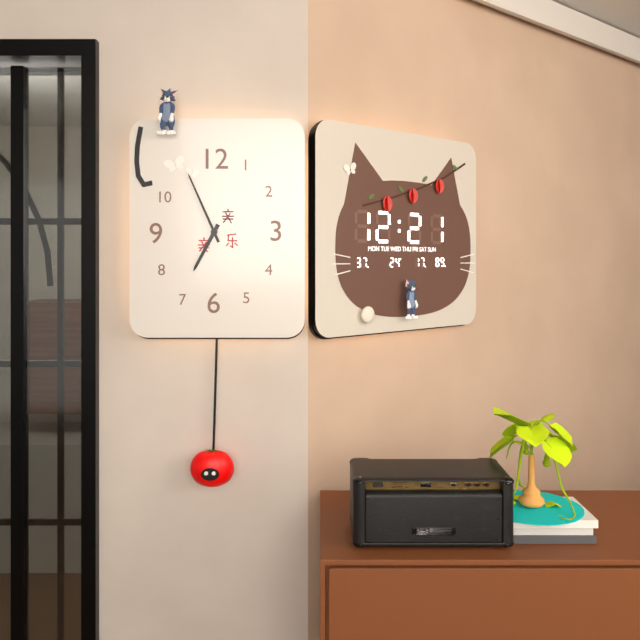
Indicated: **6:56**
